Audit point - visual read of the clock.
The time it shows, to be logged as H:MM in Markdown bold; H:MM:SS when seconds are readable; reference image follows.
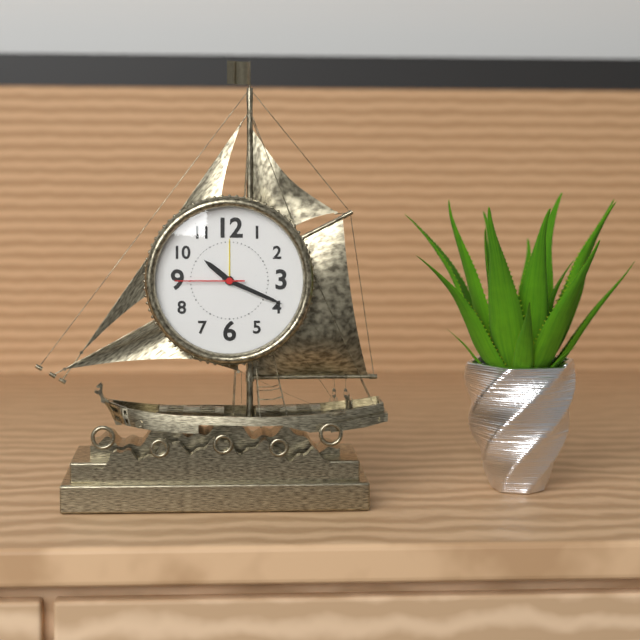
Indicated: **10:19:45**
